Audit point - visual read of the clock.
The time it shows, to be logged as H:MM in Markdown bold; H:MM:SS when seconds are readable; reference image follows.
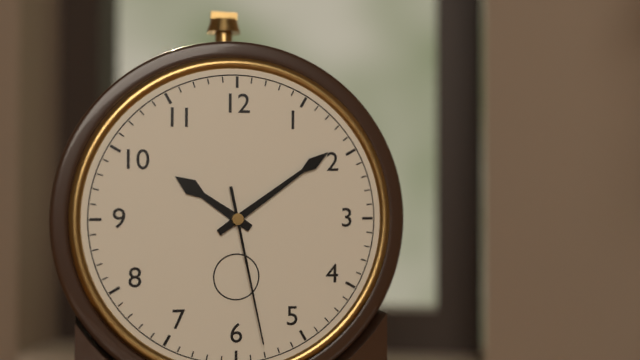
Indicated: **10:09:28**
